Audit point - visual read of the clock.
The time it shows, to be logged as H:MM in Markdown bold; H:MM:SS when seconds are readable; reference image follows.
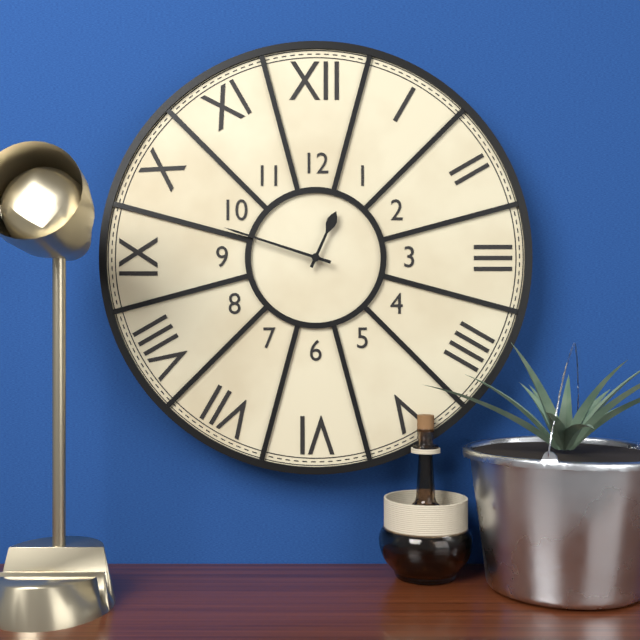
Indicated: **12:48**
